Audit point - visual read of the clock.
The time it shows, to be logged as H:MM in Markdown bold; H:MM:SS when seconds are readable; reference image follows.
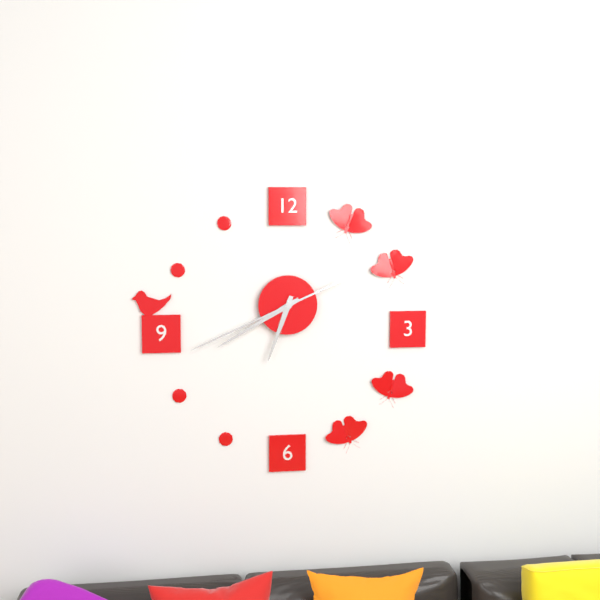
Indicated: **6:40:41**
